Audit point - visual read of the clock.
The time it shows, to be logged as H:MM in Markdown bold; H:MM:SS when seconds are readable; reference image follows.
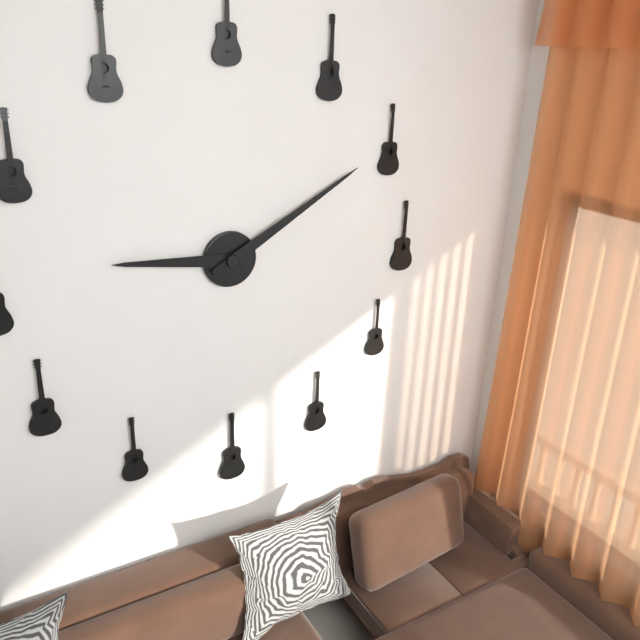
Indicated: **9:10**
